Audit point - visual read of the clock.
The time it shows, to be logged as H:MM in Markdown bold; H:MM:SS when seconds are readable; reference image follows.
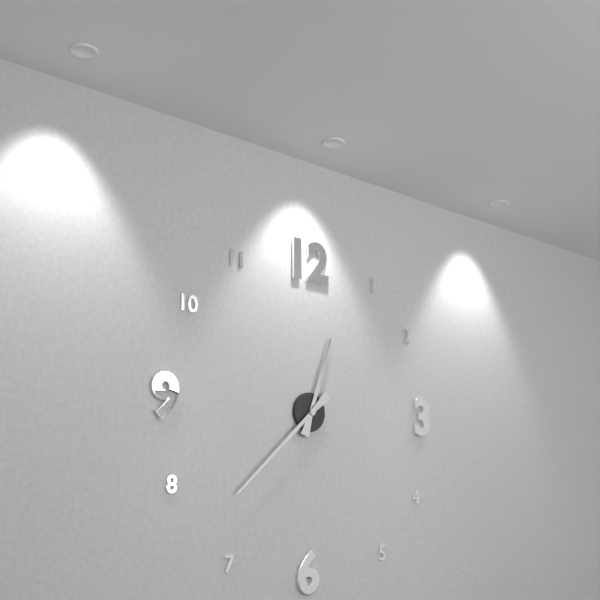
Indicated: **12:38**
